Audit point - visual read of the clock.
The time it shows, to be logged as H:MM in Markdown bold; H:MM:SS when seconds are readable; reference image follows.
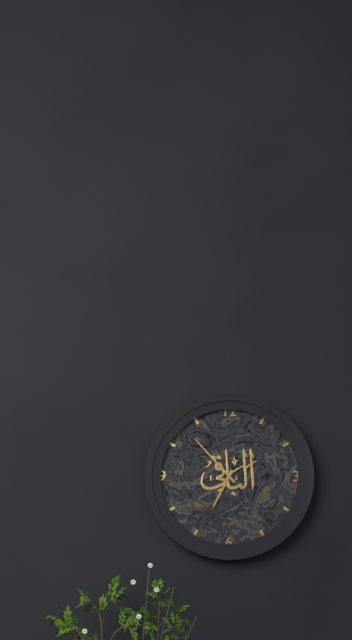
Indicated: **6:53**
